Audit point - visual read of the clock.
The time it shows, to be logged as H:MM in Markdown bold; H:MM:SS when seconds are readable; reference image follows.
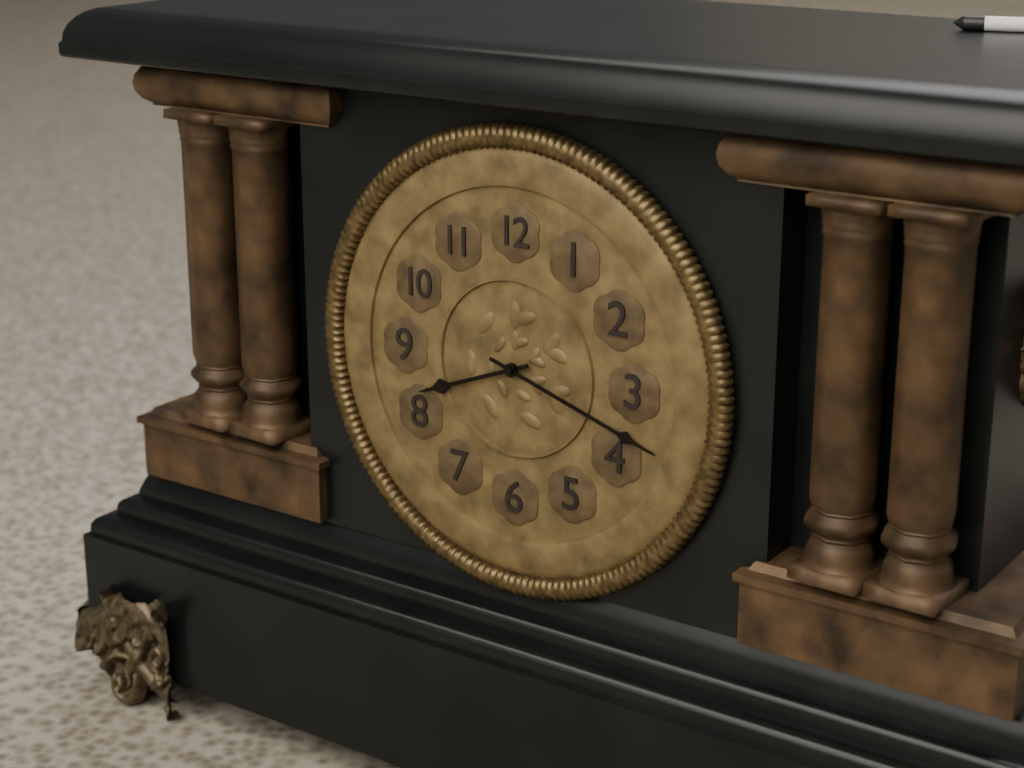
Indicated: **8:18**
